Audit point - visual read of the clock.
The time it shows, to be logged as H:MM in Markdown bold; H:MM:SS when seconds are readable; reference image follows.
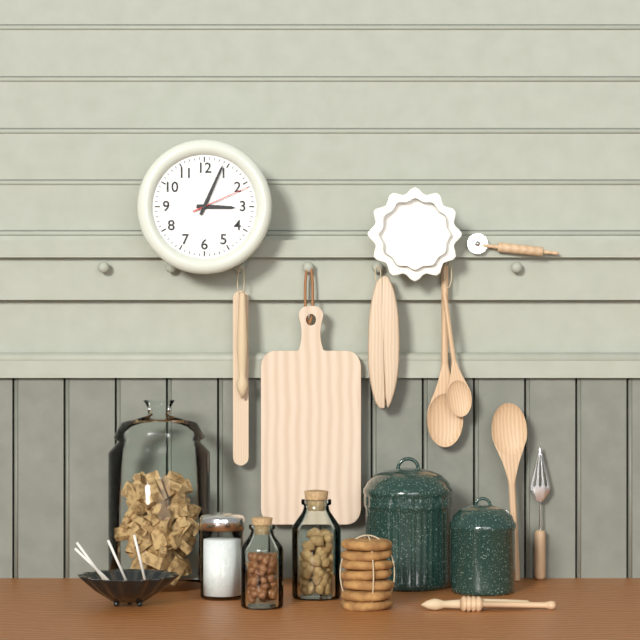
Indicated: **3:04:11**
